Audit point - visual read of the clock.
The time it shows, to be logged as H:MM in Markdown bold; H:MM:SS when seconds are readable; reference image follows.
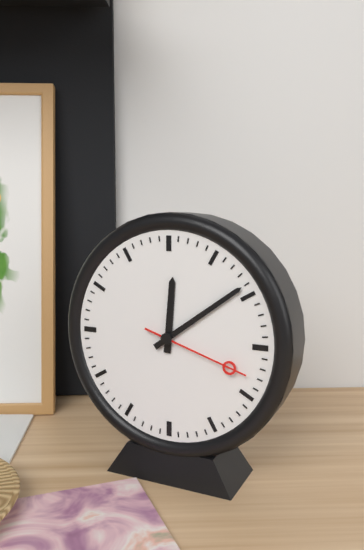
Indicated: **12:09:18**
